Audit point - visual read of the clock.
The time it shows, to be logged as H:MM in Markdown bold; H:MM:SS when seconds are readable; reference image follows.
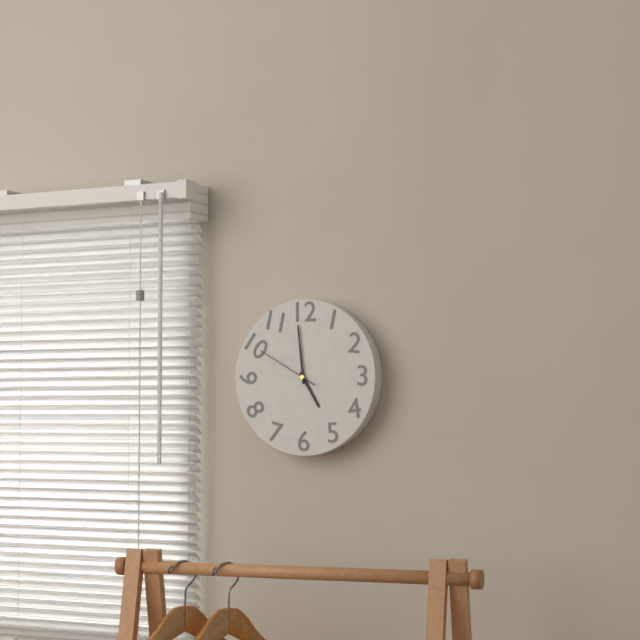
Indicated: **4:59:50**
